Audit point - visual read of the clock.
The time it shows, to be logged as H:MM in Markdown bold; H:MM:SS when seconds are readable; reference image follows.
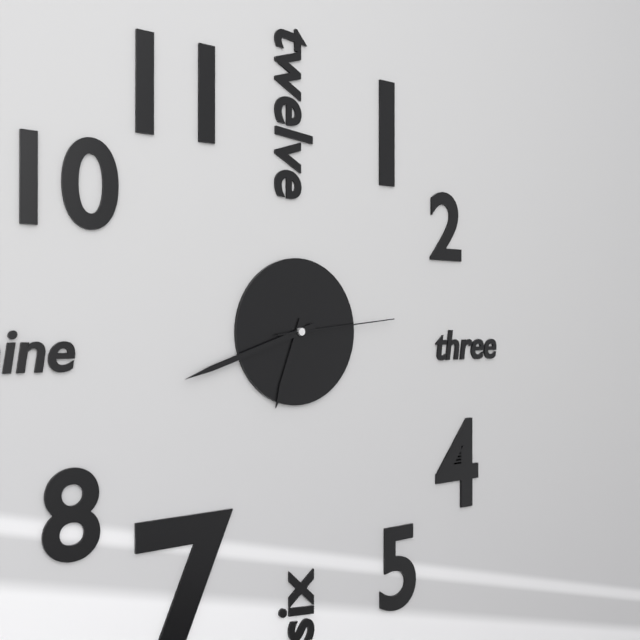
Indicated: **6:42:14**
